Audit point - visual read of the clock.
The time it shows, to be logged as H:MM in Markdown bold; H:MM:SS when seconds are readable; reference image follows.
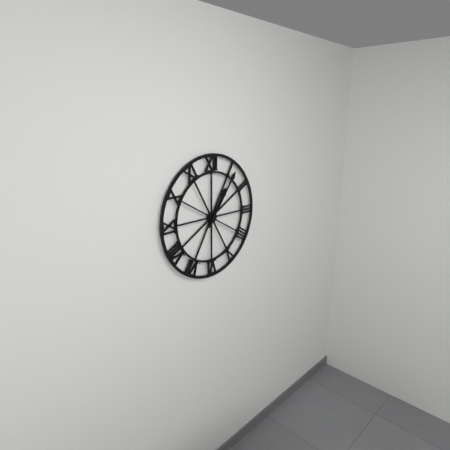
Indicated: **1:06**
